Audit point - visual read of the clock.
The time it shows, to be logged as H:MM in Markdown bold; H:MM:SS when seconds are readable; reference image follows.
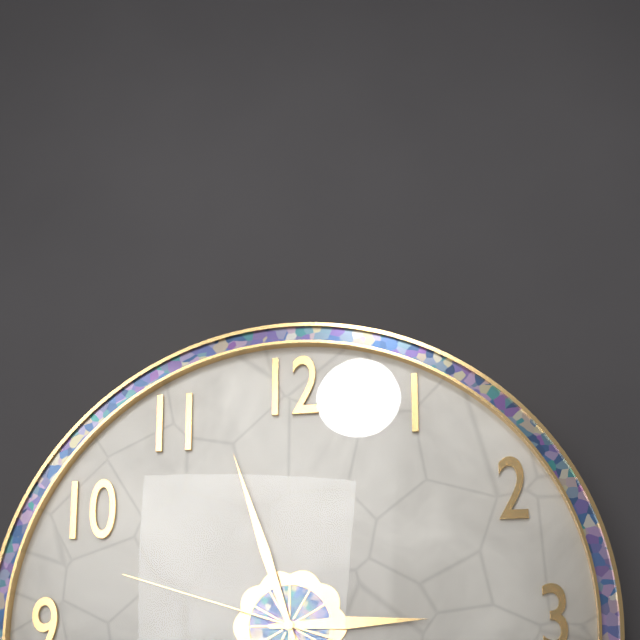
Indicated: **2:57:48**
